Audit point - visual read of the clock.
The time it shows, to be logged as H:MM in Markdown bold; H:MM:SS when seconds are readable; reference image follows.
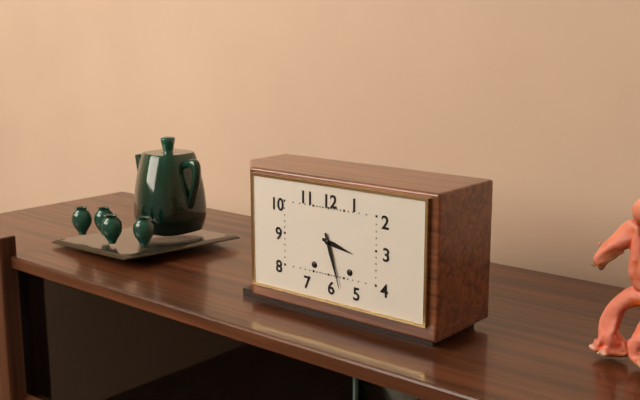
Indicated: **3:27**
